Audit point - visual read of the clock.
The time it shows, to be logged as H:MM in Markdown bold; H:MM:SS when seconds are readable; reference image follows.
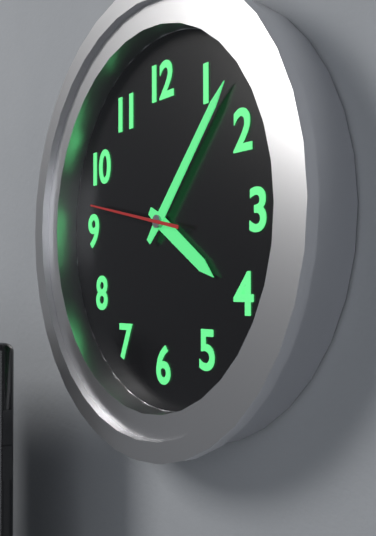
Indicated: **4:07:47**
